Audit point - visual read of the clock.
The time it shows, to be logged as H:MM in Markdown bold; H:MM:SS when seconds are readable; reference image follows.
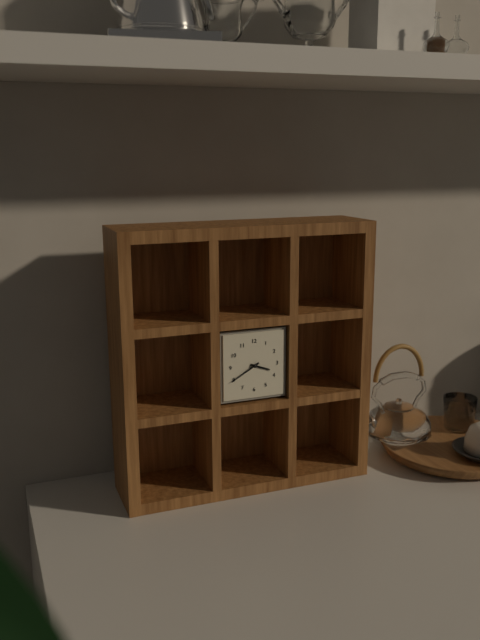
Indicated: **3:40**
